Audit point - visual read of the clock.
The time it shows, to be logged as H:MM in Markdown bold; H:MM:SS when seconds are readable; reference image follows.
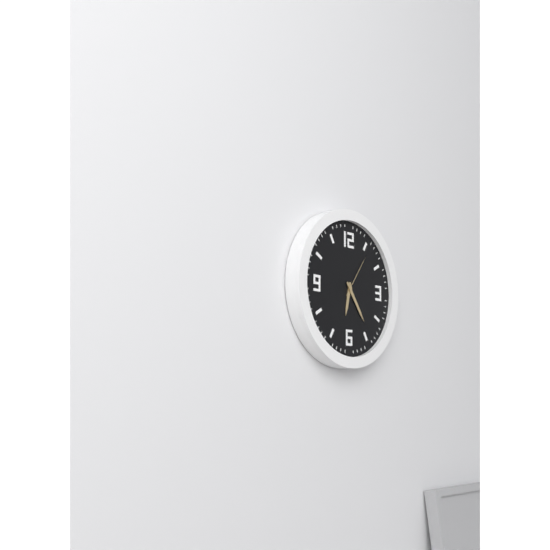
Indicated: **6:24**
